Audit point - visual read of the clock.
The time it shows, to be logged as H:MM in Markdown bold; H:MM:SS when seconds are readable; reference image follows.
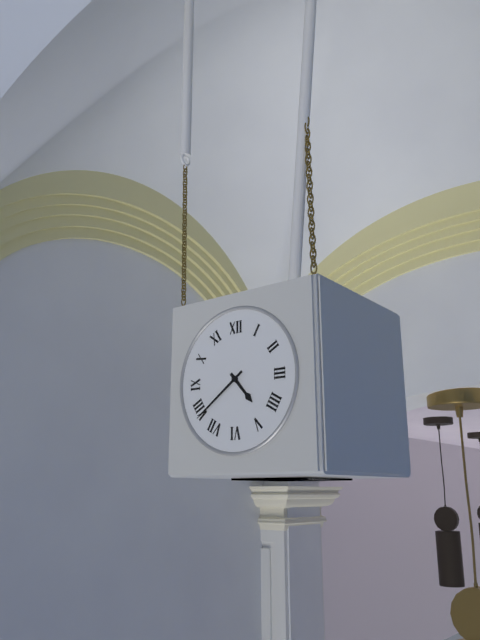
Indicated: **4:39**
